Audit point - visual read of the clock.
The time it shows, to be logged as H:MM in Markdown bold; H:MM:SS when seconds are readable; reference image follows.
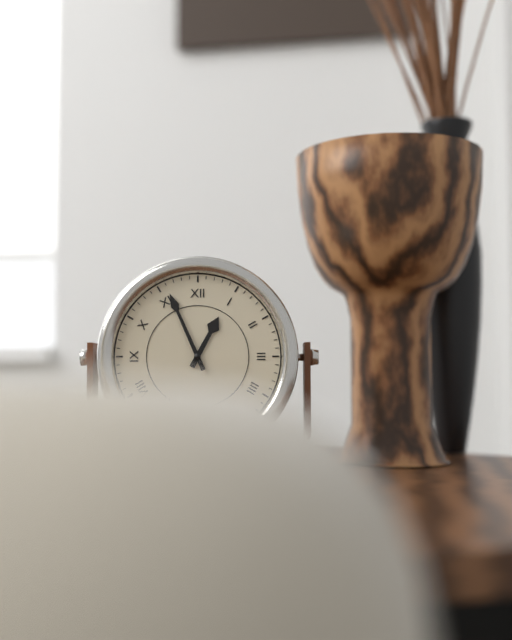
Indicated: **12:56**
